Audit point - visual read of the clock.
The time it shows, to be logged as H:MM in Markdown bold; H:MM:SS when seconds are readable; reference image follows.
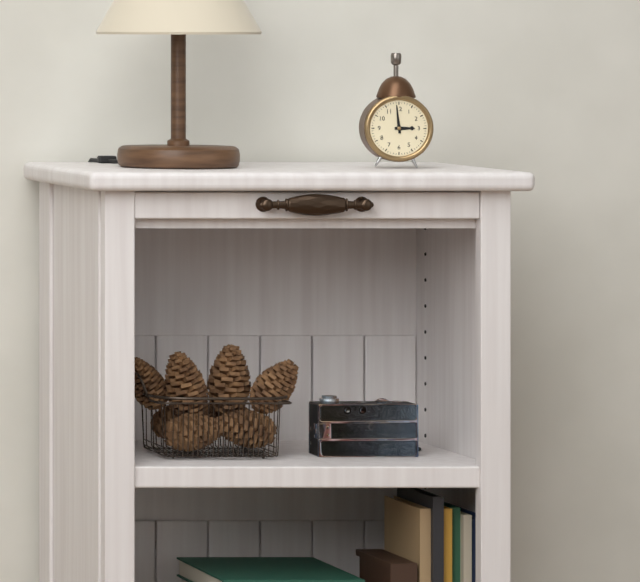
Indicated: **2:59**
